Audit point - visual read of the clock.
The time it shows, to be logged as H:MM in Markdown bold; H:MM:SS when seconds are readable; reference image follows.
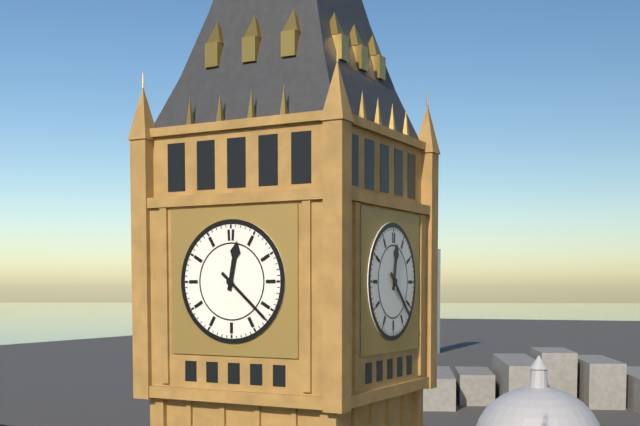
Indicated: **12:22**
